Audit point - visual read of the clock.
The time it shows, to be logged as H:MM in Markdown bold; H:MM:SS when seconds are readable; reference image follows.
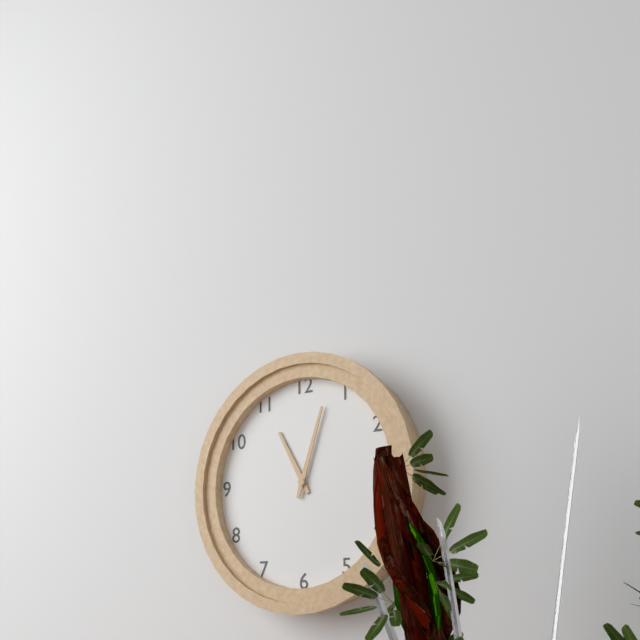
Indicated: **11:03**
